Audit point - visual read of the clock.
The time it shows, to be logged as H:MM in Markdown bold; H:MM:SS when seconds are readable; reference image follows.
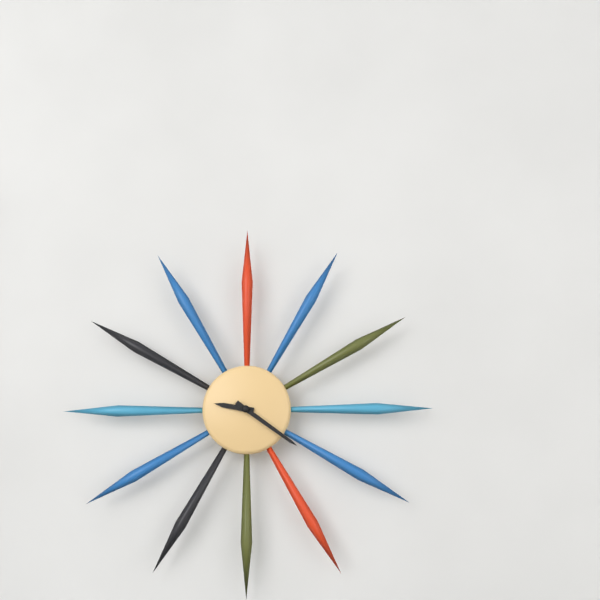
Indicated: **9:21**
